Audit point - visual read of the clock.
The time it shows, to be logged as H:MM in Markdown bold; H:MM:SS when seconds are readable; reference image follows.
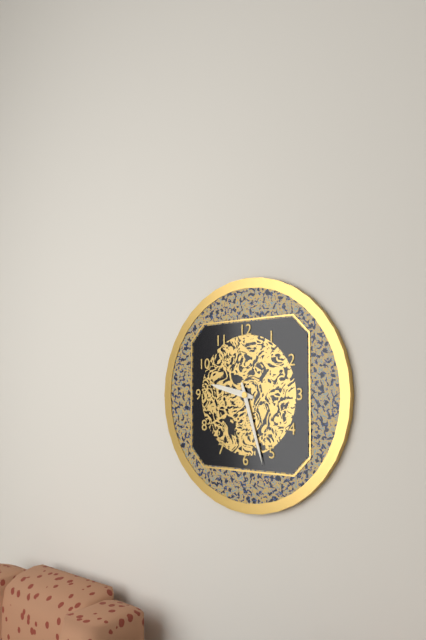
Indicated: **9:27**
